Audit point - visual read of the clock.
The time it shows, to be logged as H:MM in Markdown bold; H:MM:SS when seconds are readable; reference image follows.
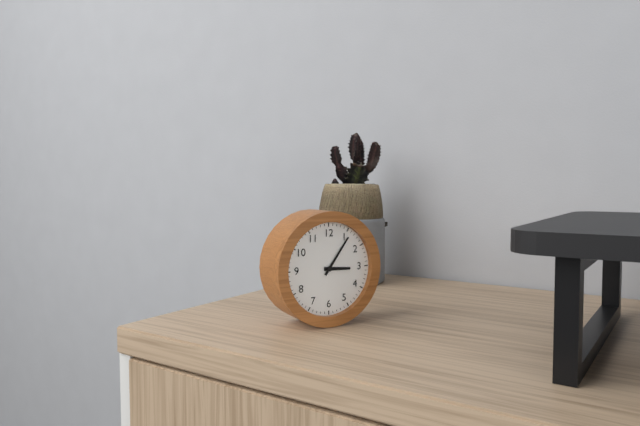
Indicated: **3:06**
